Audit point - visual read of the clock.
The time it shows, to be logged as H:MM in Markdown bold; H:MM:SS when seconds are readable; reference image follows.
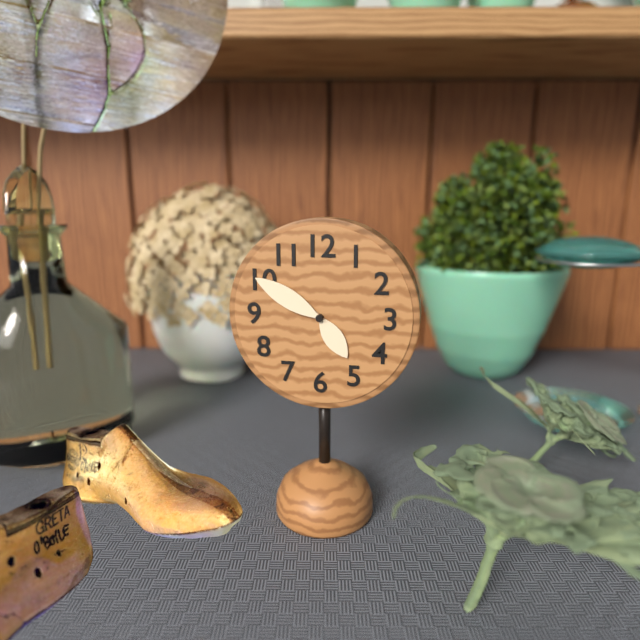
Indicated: **4:50**
